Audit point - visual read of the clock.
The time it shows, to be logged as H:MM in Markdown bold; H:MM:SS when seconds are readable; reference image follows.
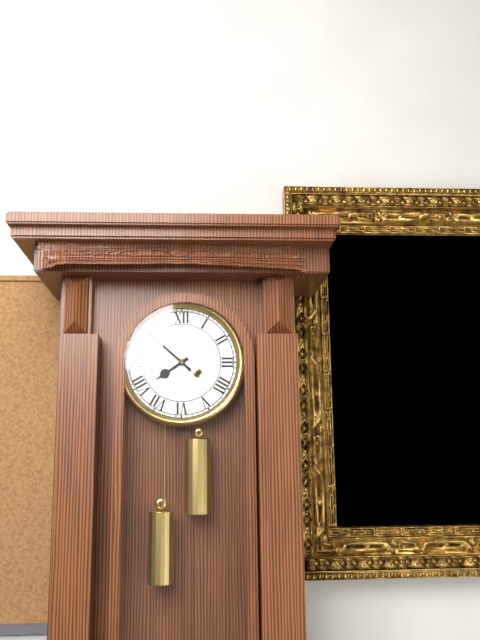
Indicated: **7:52**
